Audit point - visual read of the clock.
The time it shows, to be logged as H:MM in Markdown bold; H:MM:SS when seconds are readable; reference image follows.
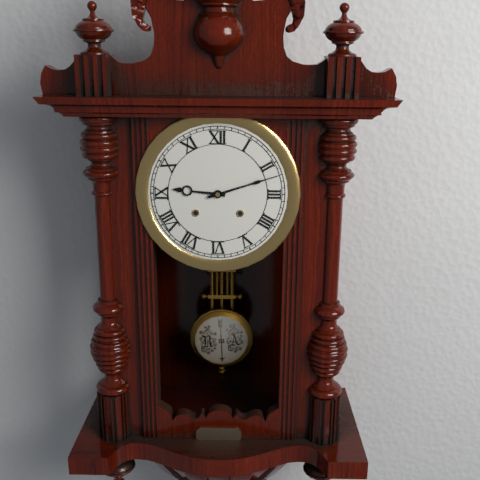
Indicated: **9:12**
